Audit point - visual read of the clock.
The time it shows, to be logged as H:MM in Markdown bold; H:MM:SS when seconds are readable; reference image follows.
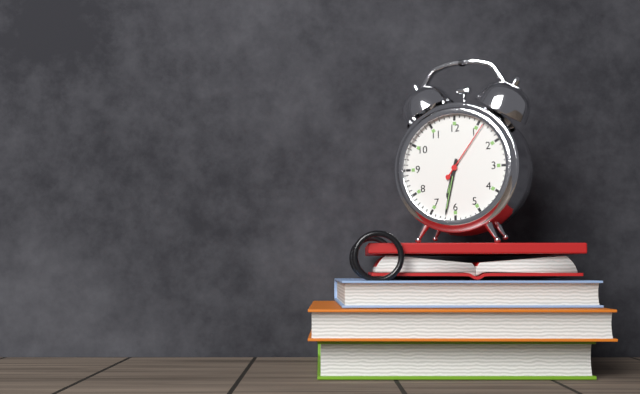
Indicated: **6:32:06**
